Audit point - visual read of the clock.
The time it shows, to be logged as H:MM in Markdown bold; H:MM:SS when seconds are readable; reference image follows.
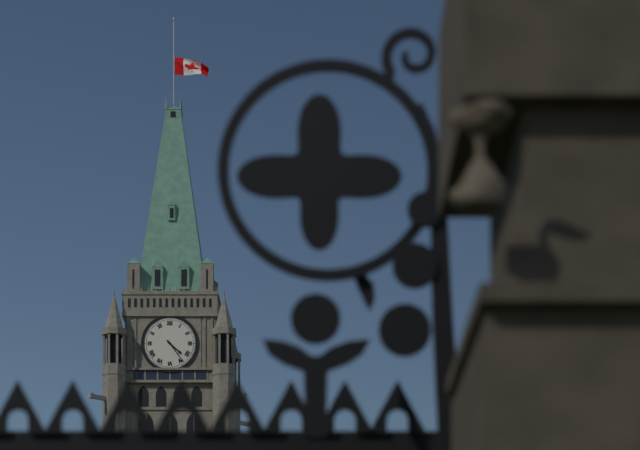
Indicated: **4:24**
